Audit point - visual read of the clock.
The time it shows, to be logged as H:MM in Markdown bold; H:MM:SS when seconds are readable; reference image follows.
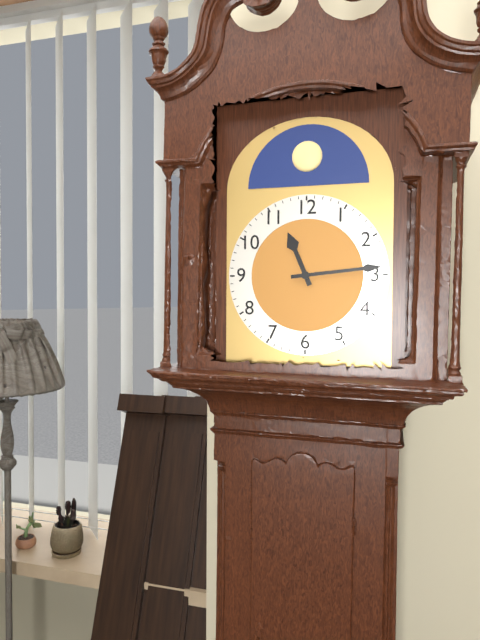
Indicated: **11:14**
